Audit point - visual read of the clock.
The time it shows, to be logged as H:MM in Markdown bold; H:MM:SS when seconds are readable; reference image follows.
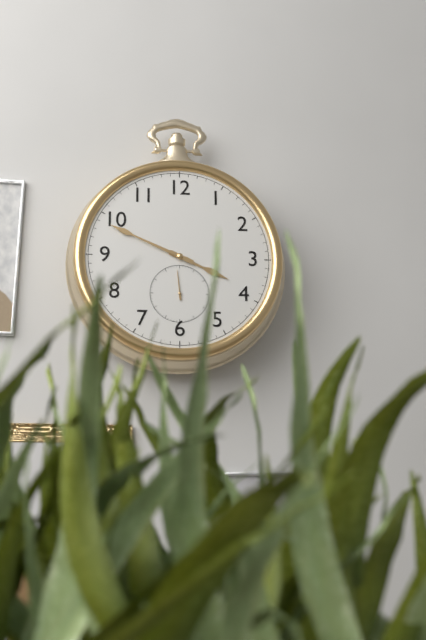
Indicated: **3:49**
